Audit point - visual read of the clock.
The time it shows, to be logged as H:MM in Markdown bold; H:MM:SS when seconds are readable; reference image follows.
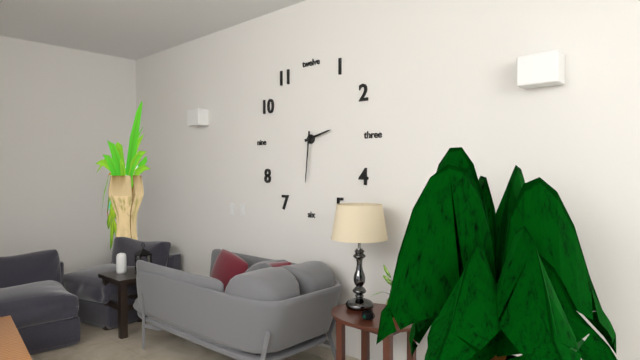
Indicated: **2:31**
